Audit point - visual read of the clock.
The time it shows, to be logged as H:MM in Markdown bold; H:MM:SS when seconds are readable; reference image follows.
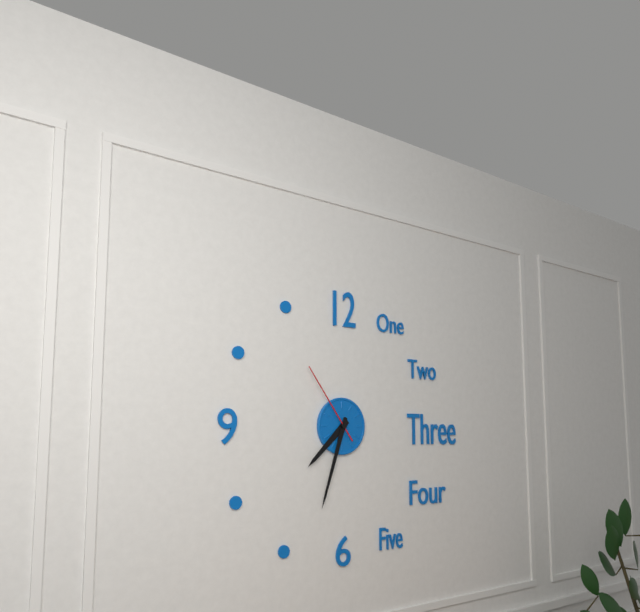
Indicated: **7:33:54**
